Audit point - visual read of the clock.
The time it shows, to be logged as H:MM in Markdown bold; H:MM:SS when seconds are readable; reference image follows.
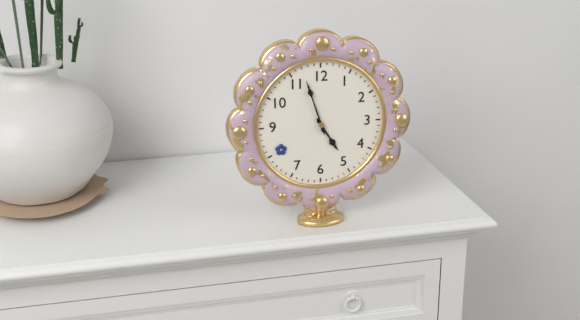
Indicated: **4:57**
